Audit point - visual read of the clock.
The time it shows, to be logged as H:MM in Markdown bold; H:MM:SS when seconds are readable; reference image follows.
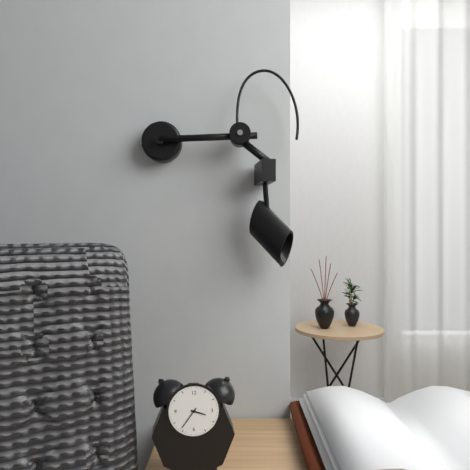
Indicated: **3:36**
